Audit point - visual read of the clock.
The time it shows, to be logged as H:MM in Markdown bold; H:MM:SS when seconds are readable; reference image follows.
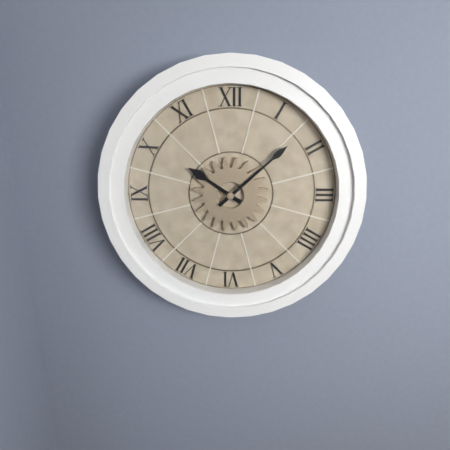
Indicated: **10:08**
